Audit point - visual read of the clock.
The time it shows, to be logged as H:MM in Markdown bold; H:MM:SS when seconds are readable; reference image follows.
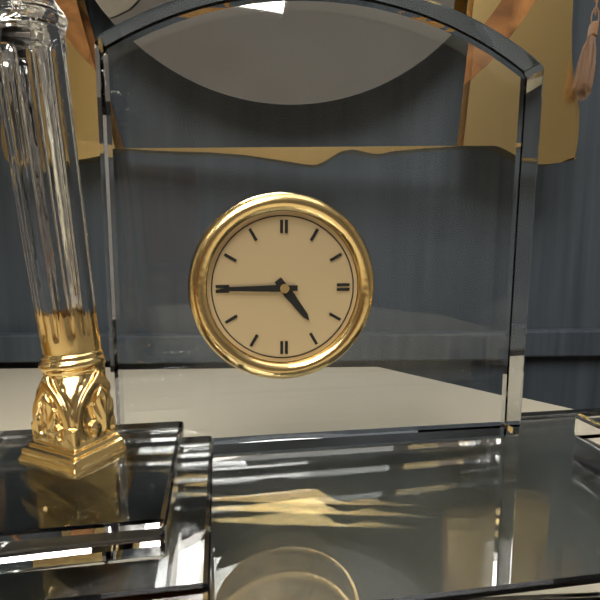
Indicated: **4:45**
